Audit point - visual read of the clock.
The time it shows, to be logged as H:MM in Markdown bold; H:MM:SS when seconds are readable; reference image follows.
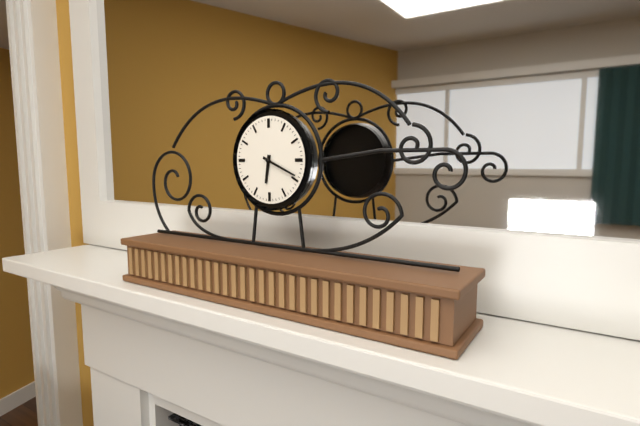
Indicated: **6:19**
